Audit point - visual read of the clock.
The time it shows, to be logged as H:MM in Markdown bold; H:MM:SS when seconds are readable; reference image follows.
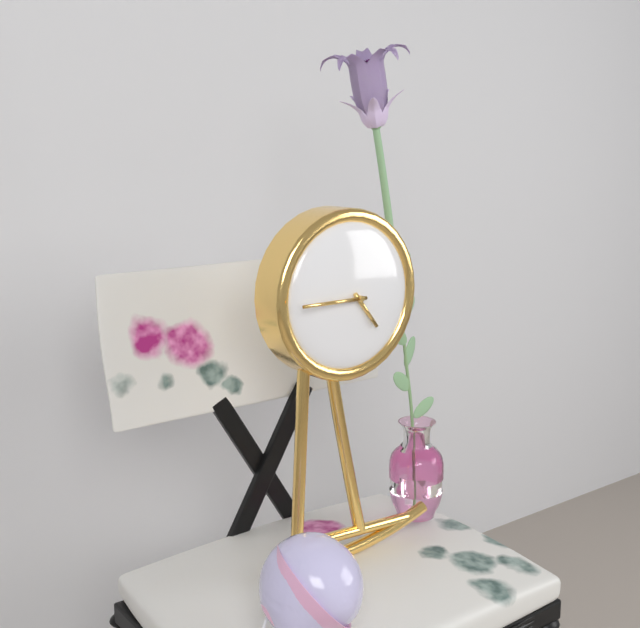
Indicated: **4:45**
